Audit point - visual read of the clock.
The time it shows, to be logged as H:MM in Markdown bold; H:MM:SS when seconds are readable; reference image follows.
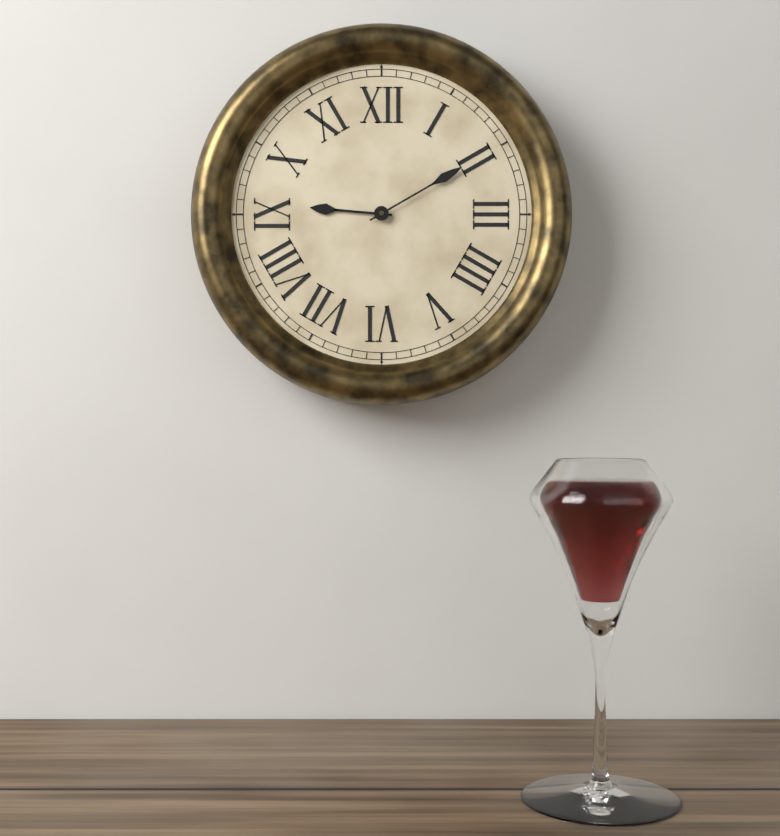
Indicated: **9:10**
